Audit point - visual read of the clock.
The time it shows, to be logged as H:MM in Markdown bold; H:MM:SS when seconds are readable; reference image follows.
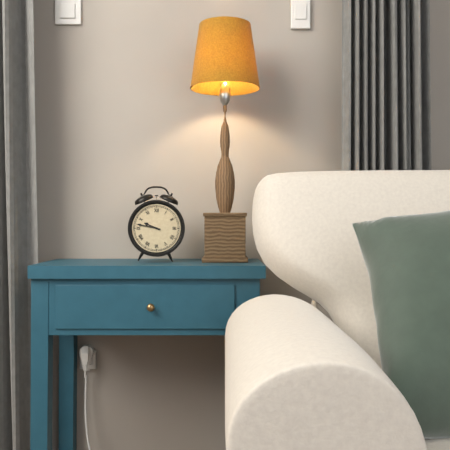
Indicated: **9:47**
